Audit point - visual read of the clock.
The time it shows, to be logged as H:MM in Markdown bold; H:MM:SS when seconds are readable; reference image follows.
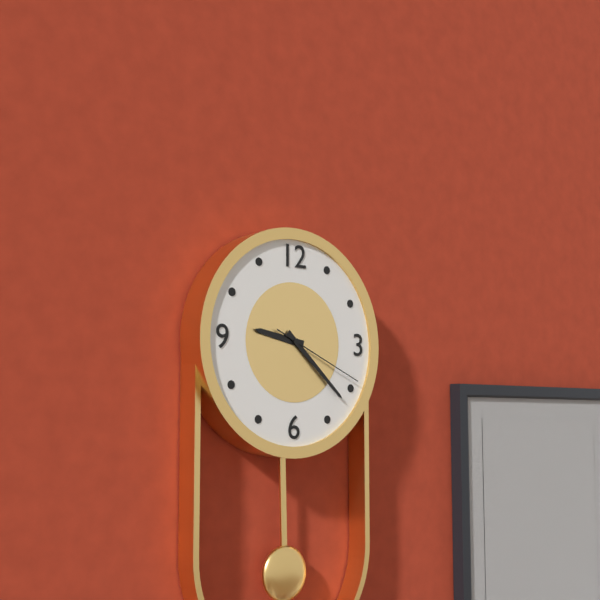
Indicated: **9:22:19**
